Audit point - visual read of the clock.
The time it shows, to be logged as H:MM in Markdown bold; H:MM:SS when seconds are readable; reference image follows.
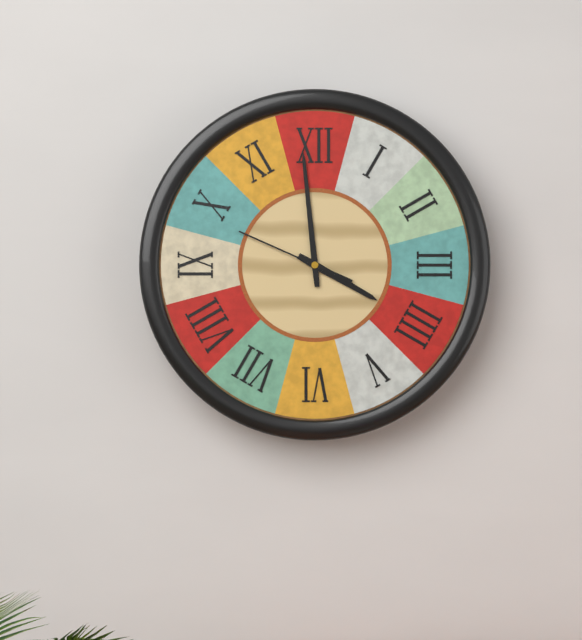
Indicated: **3:59:49**
